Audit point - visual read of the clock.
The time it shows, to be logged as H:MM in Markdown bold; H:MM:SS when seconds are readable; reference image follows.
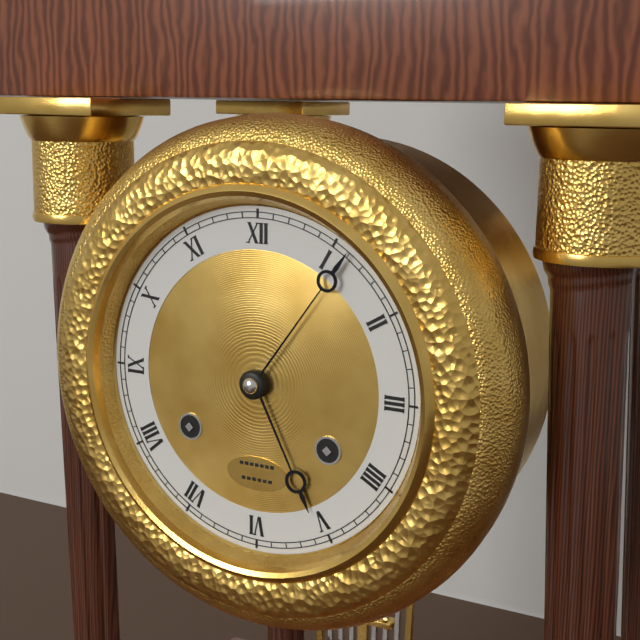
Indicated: **5:06**
